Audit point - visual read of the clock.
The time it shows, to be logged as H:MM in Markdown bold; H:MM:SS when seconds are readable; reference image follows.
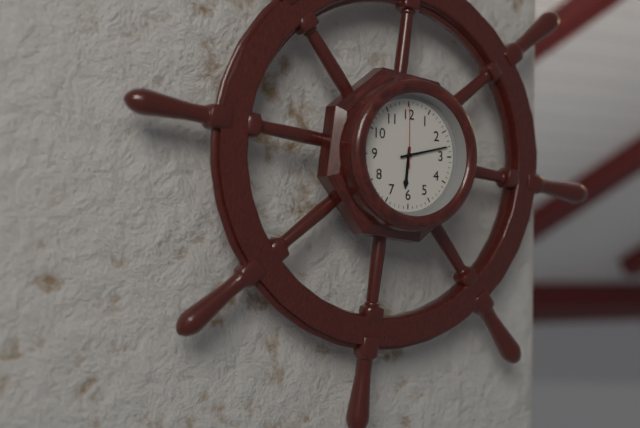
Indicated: **6:13:00**
